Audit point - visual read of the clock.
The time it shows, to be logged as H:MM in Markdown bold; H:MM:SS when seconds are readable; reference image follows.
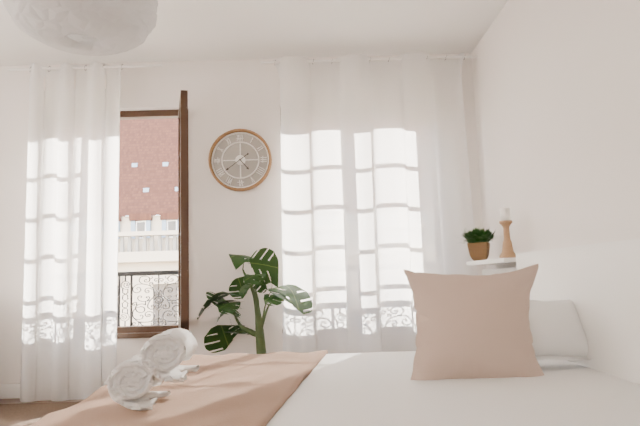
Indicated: **4:39**
